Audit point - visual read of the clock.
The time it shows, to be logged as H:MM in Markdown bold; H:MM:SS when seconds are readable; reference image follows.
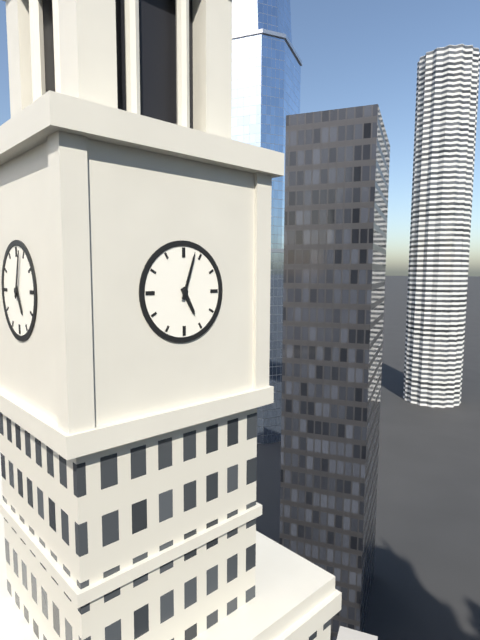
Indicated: **5:03**
